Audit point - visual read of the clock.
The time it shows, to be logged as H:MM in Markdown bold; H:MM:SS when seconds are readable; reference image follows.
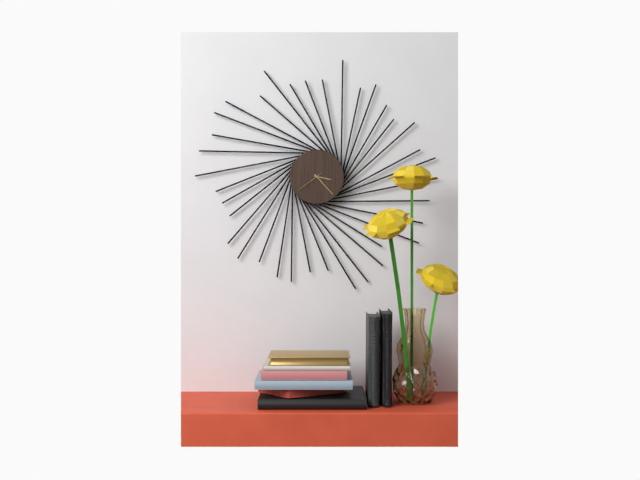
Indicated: **3:23**
